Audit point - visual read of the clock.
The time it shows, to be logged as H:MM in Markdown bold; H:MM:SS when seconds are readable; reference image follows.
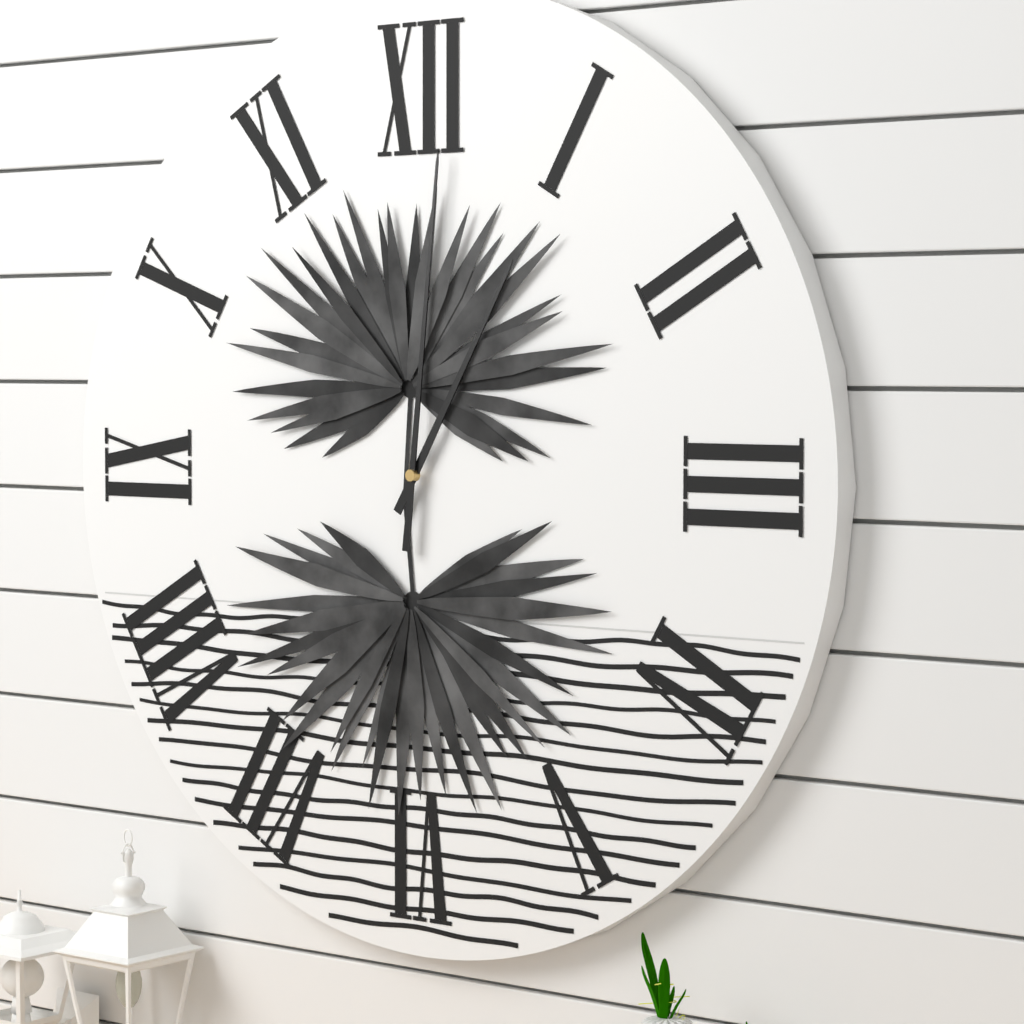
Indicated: **1:01**
